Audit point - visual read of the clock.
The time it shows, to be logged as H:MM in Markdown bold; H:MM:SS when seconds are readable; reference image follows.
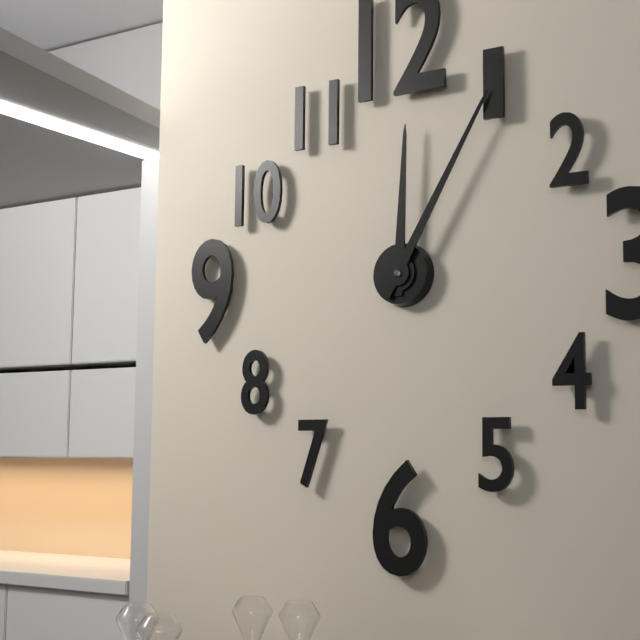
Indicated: **12:05**
